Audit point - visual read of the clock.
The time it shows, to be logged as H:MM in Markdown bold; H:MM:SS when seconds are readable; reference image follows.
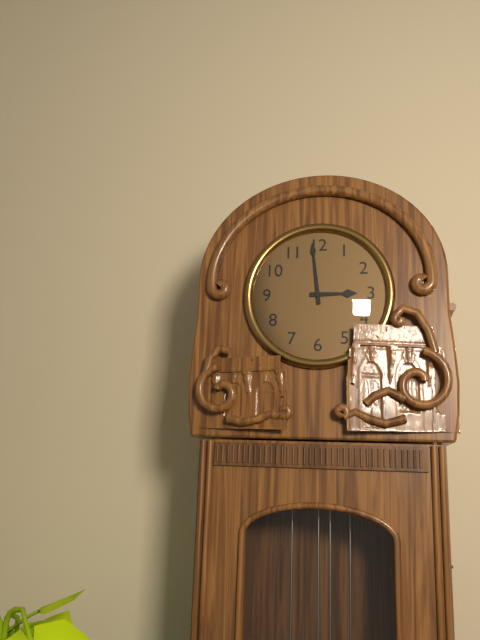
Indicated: **2:59**
